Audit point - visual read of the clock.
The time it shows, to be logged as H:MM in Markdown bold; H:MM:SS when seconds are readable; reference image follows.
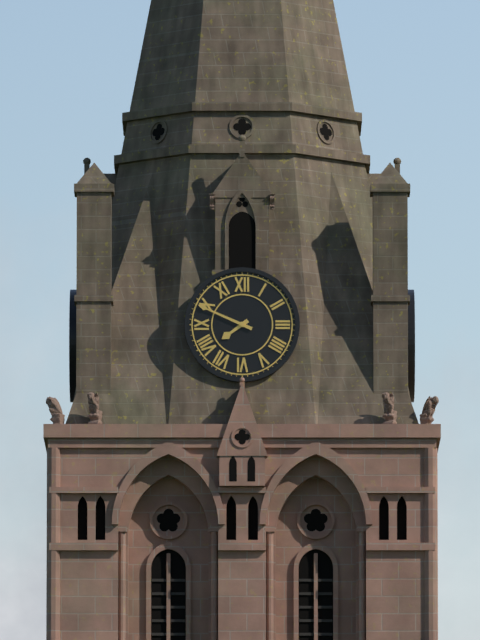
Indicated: **7:49**
